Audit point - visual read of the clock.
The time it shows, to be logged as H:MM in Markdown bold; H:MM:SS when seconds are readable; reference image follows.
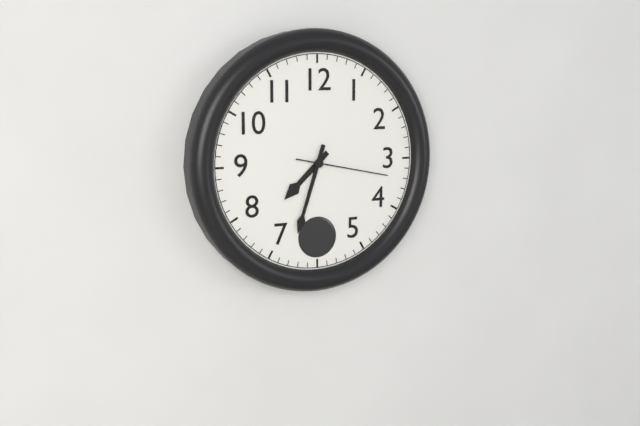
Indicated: **7:33:17**
